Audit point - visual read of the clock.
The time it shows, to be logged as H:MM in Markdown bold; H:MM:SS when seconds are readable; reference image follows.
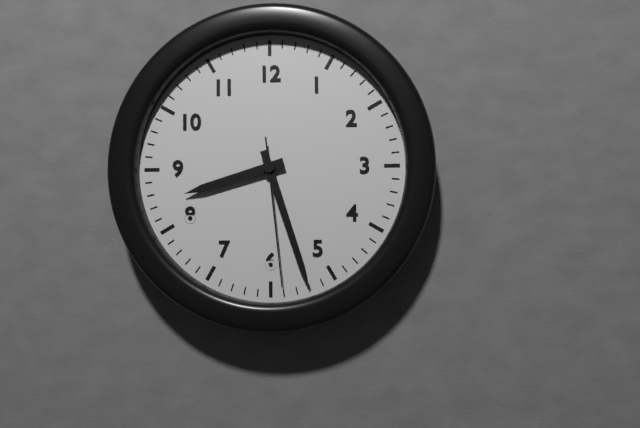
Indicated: **8:27:29**
